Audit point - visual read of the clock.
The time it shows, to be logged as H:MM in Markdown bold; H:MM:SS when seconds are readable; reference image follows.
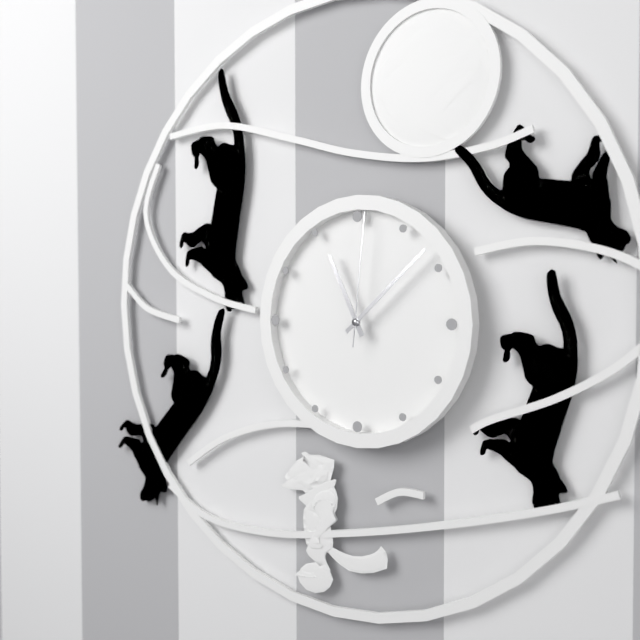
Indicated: **11:08:01**
